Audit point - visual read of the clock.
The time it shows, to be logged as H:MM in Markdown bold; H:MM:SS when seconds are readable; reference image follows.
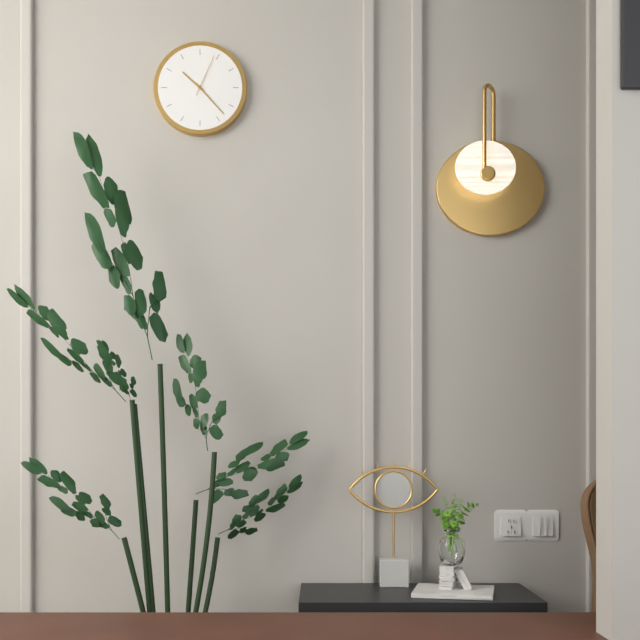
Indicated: **10:23**
